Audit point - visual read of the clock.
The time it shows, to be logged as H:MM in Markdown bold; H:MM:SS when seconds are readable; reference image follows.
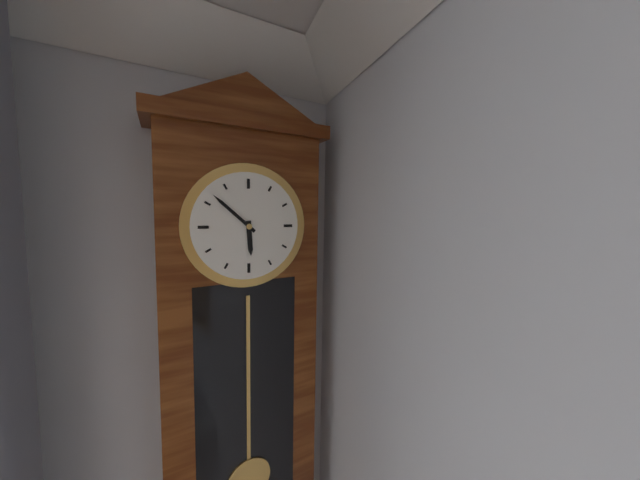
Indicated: **5:52**
